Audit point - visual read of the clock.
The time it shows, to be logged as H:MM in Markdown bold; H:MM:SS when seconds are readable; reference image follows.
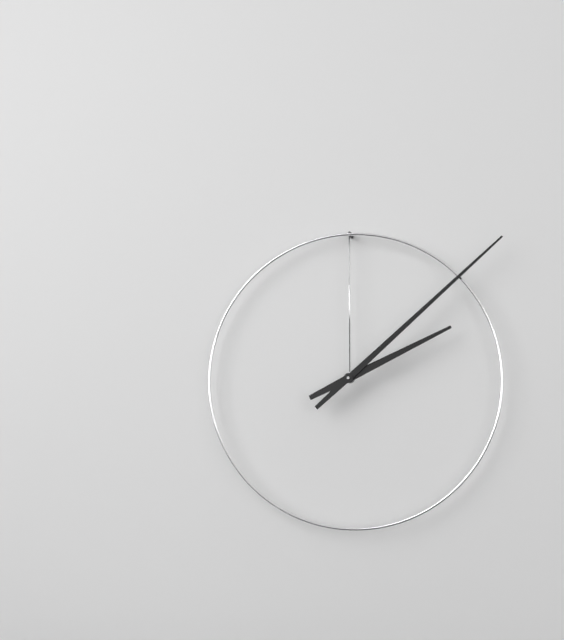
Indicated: **2:08**
